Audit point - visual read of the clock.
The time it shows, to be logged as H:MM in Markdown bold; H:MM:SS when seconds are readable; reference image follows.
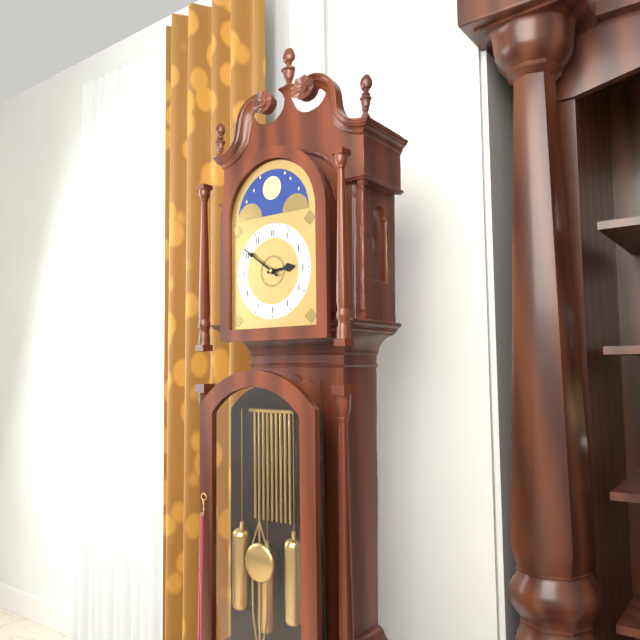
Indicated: **2:51**
